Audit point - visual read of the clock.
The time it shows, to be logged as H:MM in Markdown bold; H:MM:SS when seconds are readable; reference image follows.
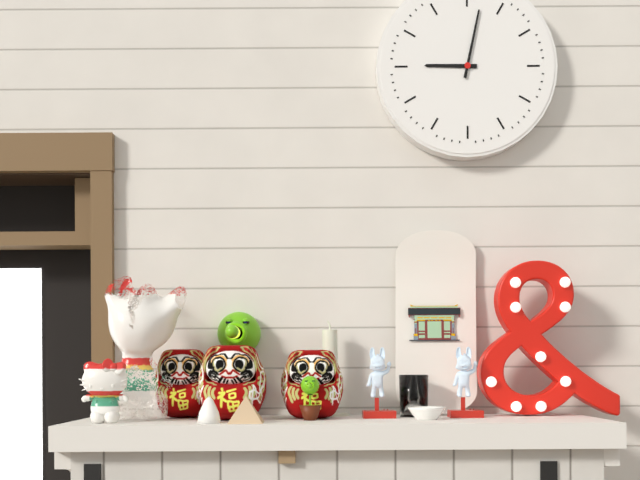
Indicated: **9:02**
